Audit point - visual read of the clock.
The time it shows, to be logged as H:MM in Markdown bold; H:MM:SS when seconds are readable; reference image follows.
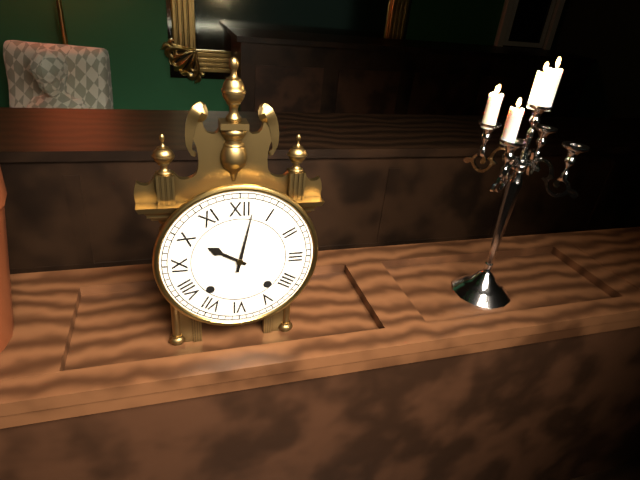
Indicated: **10:02**
